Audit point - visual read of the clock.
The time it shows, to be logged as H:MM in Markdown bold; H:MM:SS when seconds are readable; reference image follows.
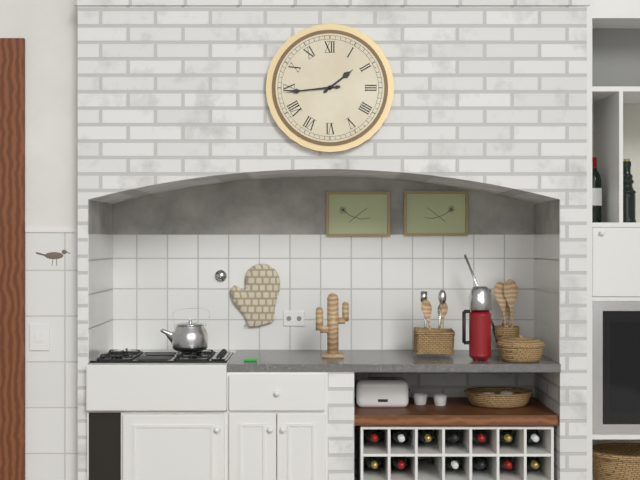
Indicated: **1:44**
